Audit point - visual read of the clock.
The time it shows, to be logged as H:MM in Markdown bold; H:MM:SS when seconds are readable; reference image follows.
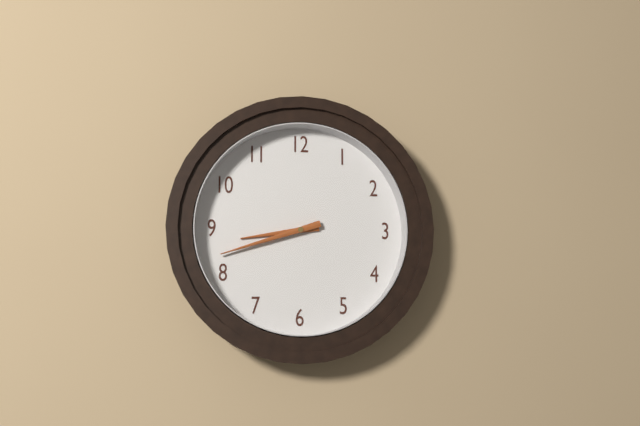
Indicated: **8:42**
